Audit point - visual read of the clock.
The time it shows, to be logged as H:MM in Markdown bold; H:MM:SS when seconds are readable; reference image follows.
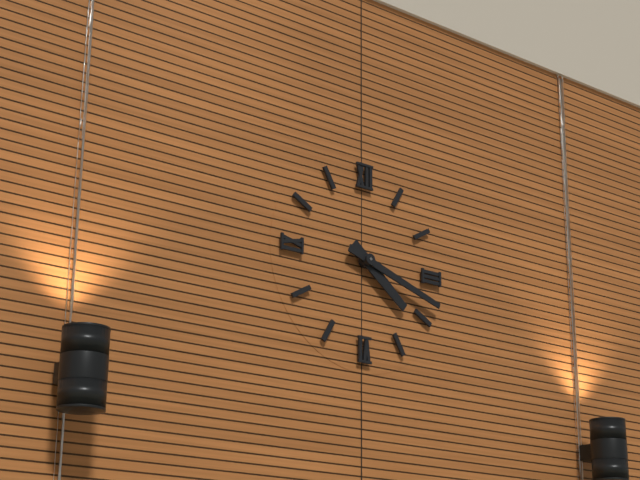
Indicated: **4:18**
